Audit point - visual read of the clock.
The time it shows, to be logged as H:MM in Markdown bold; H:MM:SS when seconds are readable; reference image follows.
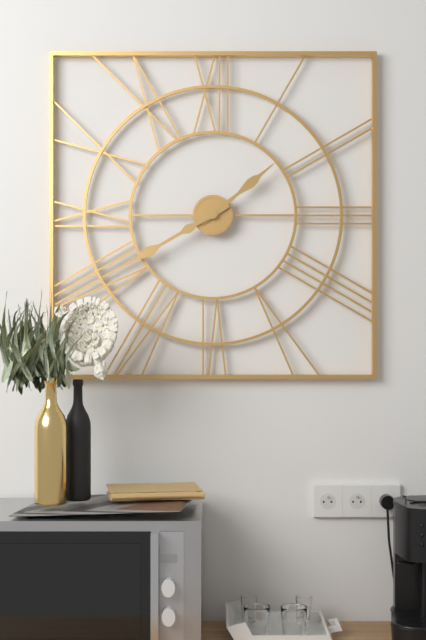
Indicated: **1:40**
